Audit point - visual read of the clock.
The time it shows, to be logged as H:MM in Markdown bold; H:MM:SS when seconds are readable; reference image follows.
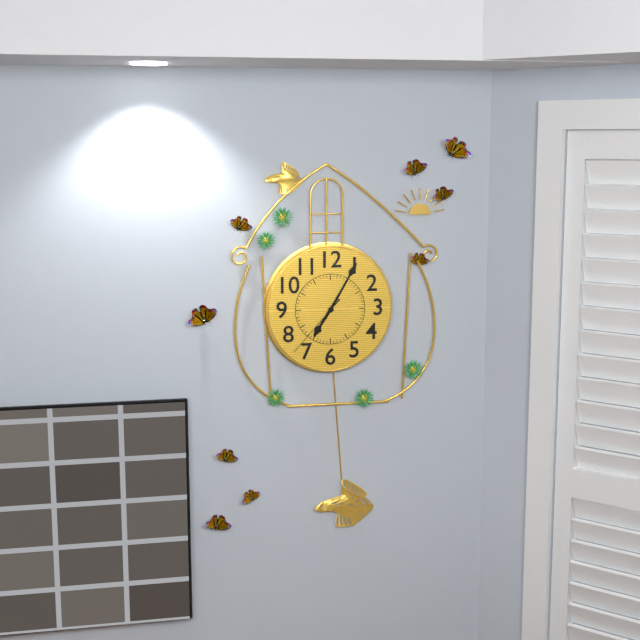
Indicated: **7:05:37**
